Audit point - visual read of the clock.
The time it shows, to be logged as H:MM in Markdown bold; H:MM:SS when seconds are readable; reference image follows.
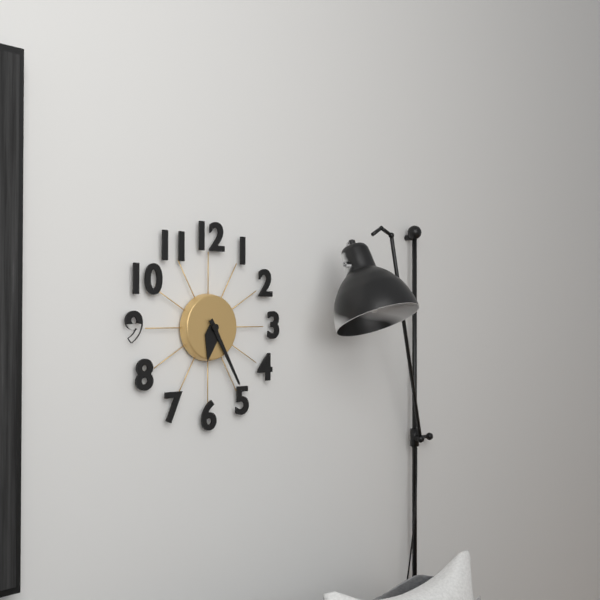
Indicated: **6:25**
